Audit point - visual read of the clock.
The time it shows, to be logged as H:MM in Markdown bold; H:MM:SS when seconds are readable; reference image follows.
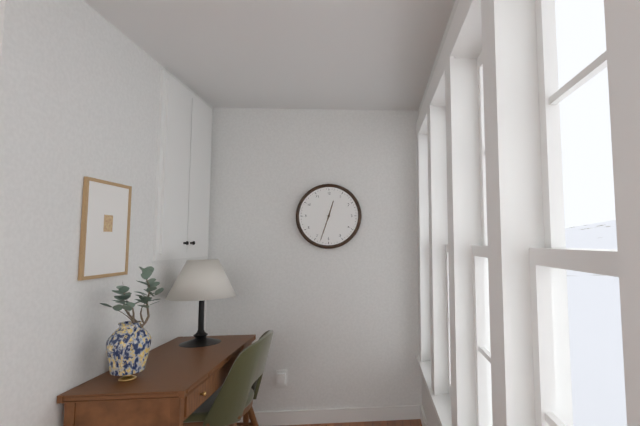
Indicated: **12:33**
